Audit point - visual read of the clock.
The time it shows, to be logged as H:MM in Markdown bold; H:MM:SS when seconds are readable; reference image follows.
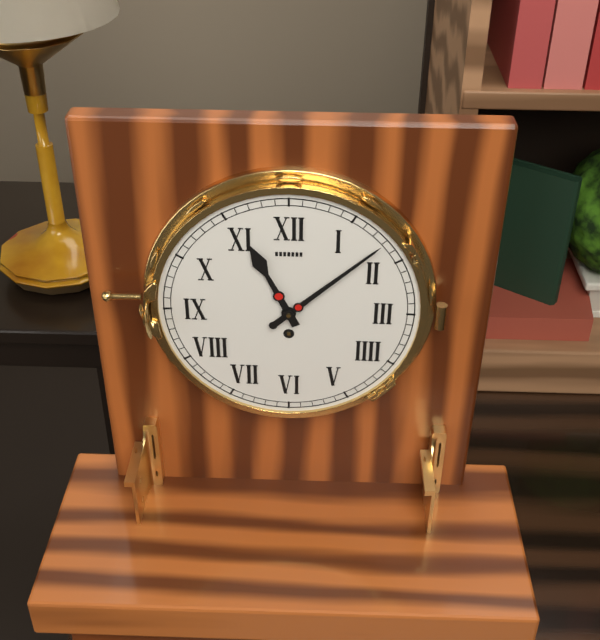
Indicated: **11:08**
